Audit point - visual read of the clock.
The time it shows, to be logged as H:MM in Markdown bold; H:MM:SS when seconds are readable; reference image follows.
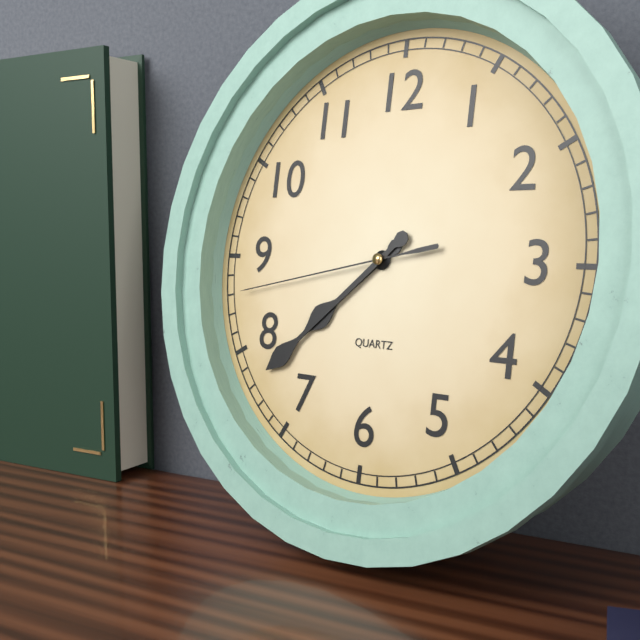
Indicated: **7:38:43**
